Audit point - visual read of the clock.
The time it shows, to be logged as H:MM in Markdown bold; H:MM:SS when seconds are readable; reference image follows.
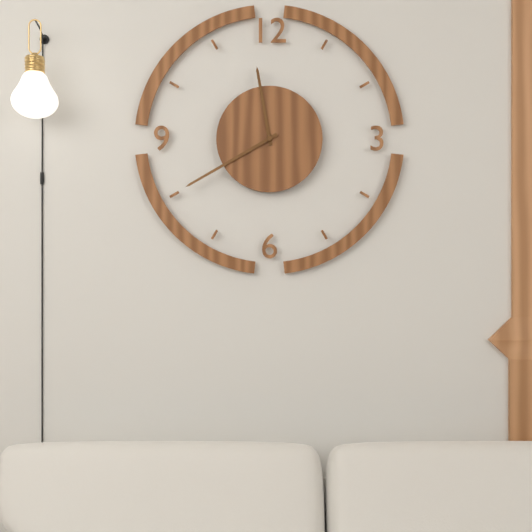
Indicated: **11:40**
